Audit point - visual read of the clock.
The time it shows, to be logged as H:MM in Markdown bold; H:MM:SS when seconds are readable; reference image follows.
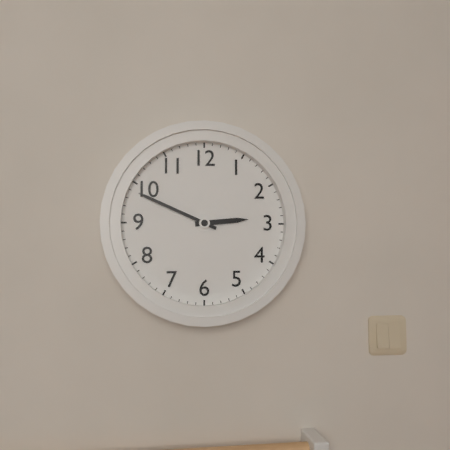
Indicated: **2:49**
